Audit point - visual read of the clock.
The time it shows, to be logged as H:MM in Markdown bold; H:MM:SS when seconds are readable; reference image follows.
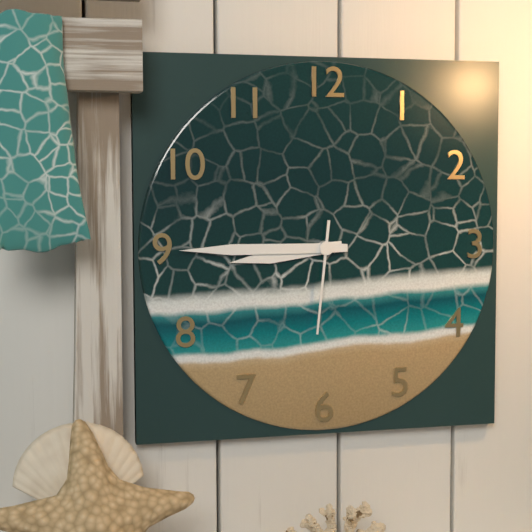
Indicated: **8:45:31**
